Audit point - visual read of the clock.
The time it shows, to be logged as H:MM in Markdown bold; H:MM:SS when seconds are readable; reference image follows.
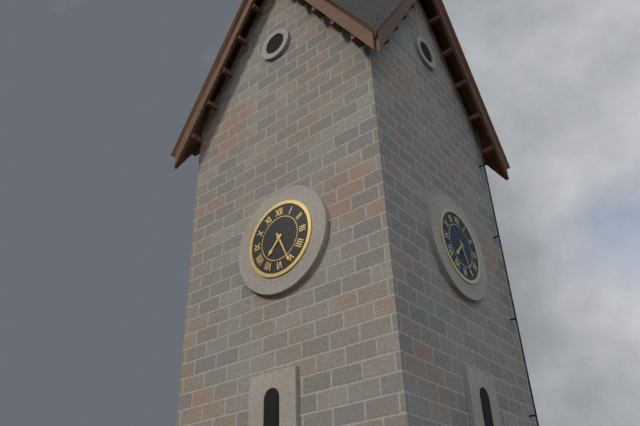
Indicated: **7:26**
